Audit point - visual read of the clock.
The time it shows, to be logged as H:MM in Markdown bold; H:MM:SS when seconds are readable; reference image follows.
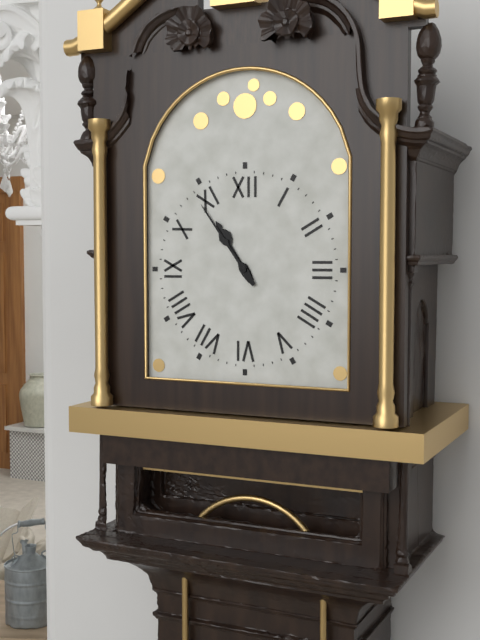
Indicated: **10:54**
